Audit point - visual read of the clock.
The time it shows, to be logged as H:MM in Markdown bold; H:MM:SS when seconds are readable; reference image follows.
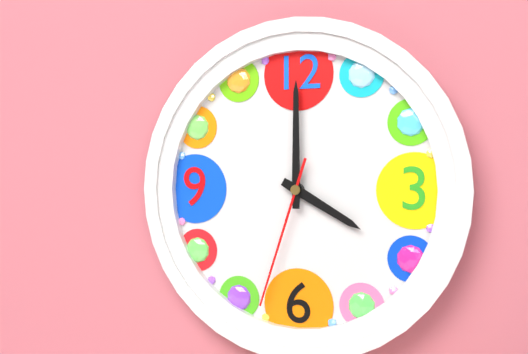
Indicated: **4:00:33**
